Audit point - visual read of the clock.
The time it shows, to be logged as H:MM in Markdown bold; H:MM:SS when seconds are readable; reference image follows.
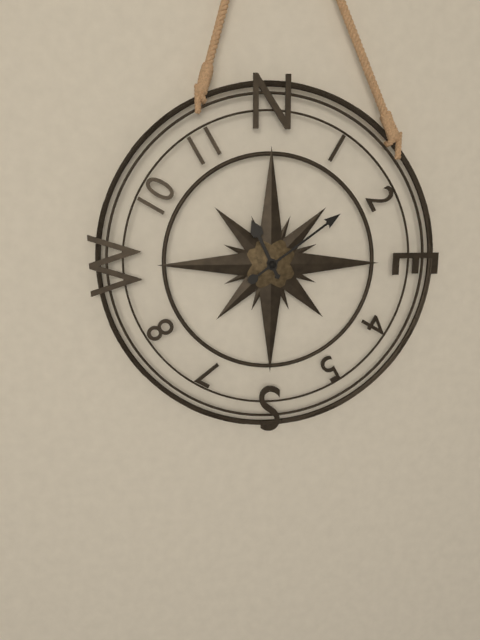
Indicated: **11:09**
